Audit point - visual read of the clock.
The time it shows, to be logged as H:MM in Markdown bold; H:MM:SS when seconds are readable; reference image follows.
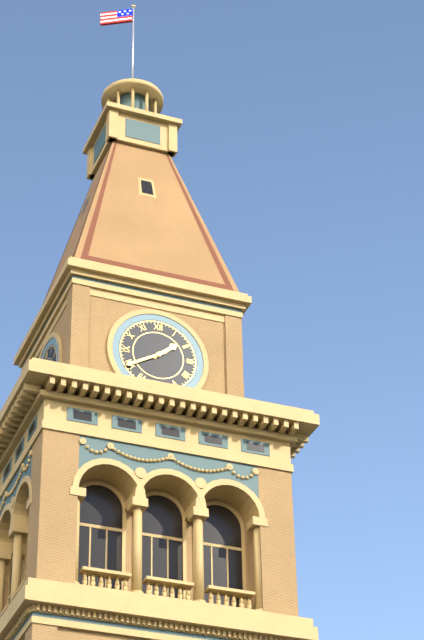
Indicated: **1:40**
